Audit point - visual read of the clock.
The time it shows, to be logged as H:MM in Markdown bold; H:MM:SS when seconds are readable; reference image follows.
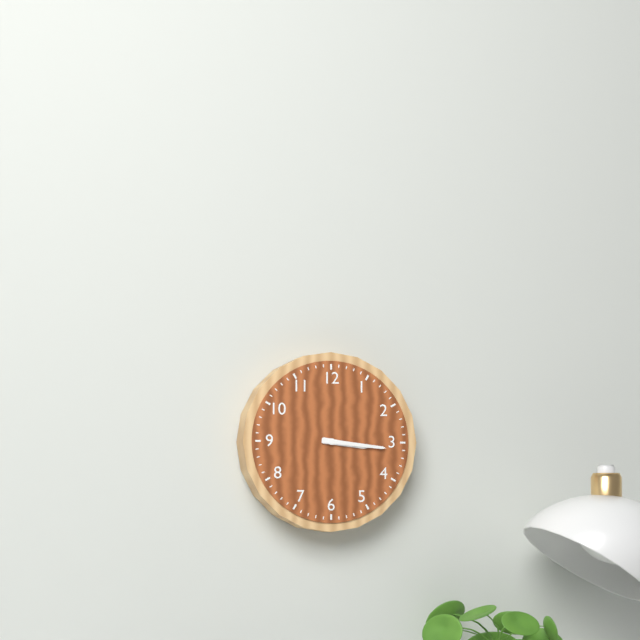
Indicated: **3:16**
